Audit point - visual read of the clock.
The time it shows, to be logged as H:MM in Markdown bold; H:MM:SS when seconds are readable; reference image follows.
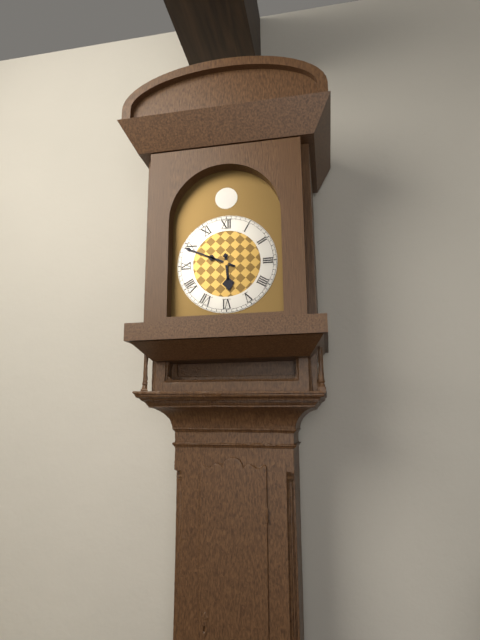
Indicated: **5:49**
